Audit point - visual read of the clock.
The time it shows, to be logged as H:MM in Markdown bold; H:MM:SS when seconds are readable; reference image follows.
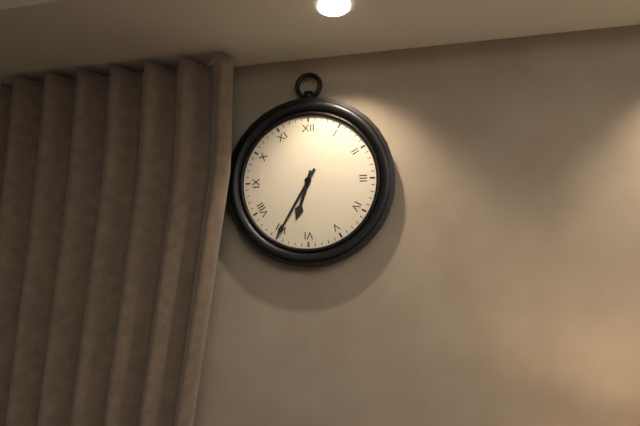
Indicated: **6:35**
